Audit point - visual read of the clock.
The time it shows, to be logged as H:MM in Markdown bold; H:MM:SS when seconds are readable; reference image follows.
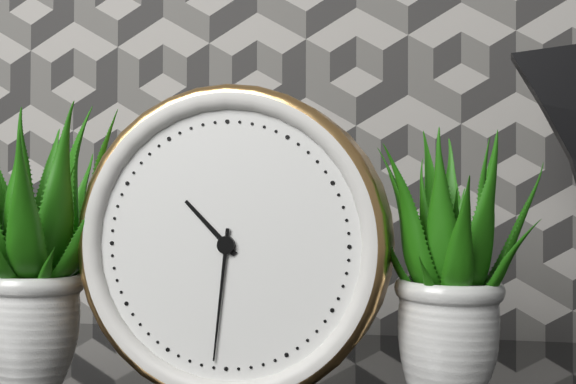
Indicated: **10:31**
